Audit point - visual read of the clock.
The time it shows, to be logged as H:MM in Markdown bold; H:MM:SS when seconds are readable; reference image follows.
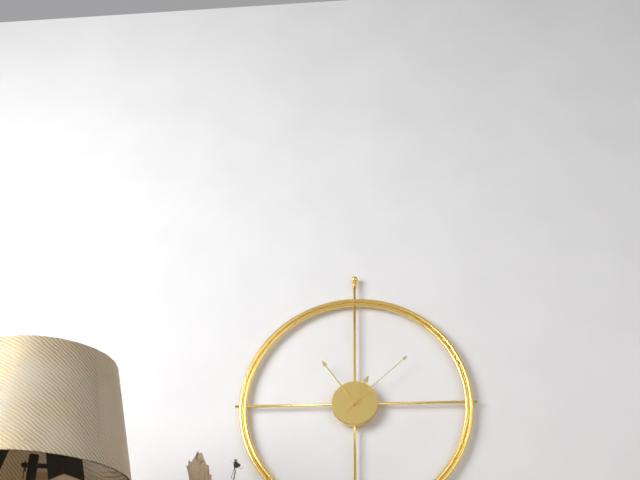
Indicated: **12:54:08**
